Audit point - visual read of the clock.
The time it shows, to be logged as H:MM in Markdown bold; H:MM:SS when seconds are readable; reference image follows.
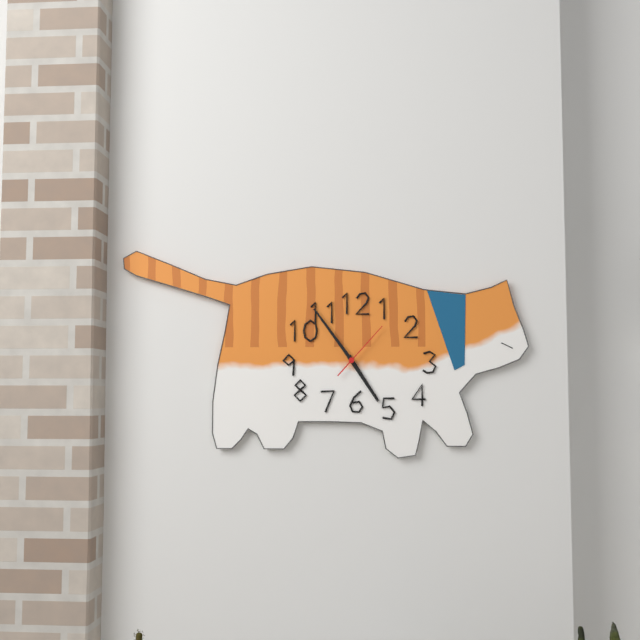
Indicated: **4:54:07**
